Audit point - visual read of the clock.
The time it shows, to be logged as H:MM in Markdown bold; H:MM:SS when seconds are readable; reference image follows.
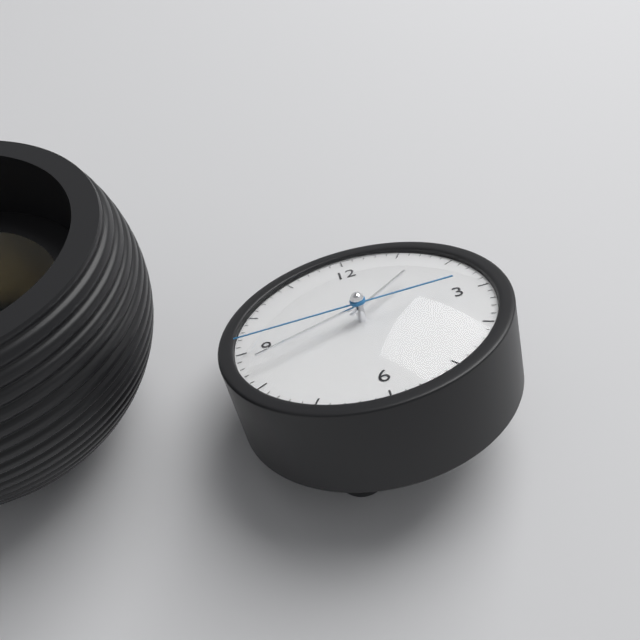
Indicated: **1:42:45**
